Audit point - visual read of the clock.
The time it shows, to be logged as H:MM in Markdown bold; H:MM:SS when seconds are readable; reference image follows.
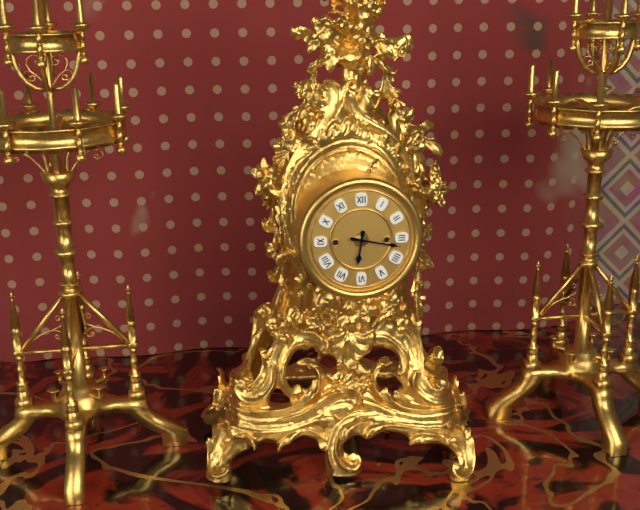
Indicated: **6:17**
